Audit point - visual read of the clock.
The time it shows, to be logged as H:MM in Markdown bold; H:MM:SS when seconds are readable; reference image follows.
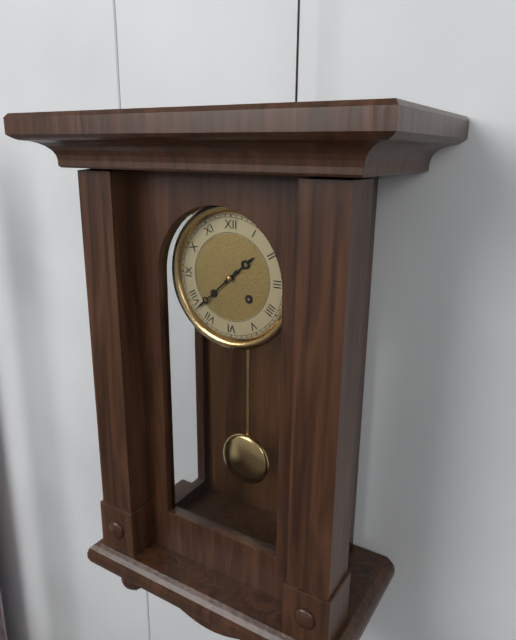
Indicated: **1:38**
